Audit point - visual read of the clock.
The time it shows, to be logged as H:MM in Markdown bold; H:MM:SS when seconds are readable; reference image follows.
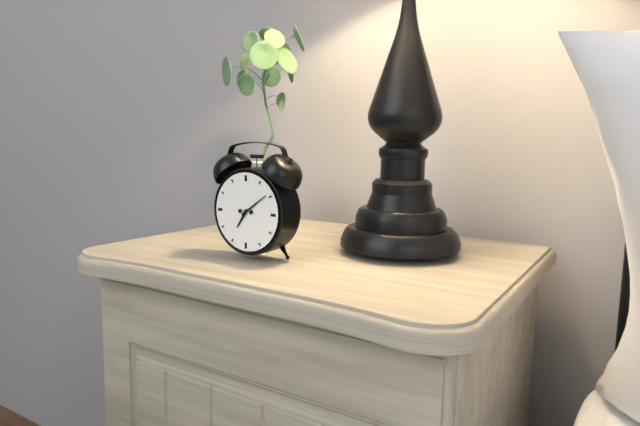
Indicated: **7:09**
